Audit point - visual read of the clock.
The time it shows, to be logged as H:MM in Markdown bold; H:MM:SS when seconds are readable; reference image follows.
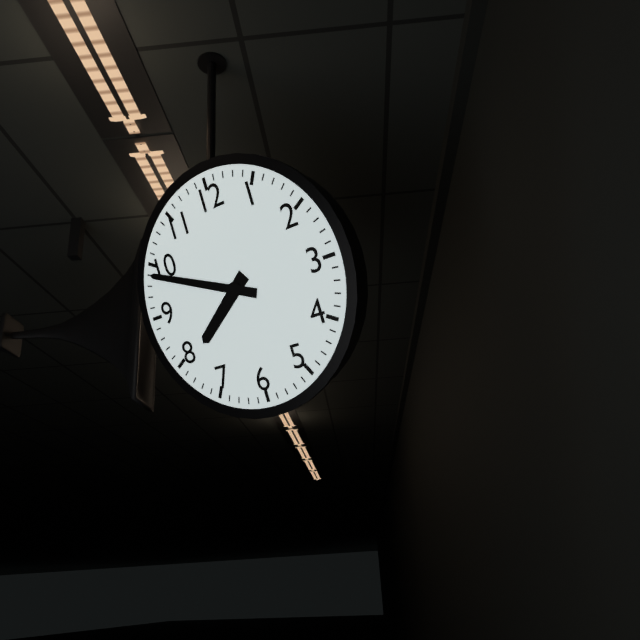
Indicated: **7:49**
